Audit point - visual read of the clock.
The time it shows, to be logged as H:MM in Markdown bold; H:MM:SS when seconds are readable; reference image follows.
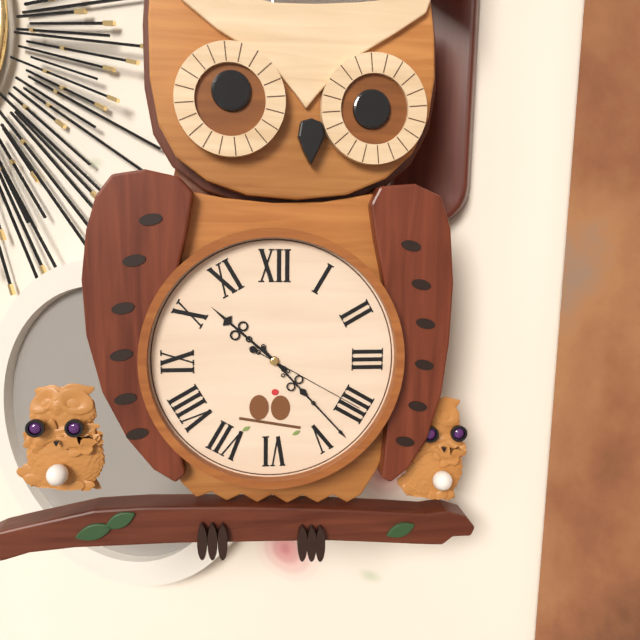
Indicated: **10:23:20**
